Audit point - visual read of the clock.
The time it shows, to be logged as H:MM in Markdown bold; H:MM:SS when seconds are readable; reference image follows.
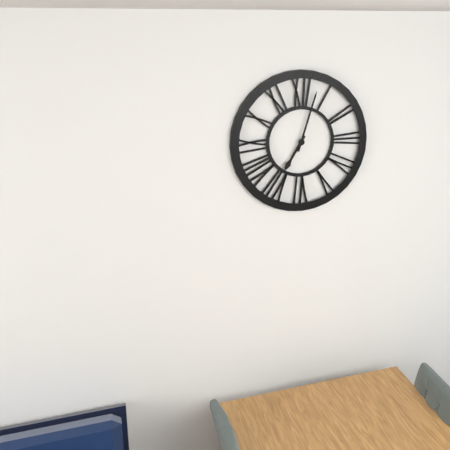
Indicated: **7:03**
